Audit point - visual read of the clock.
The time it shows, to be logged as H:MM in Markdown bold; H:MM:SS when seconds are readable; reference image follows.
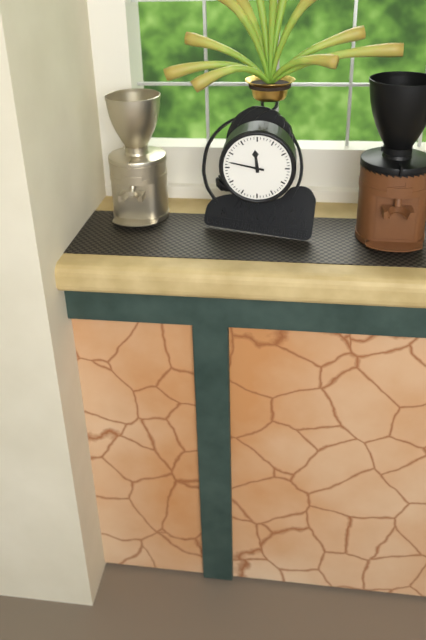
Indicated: **11:47**
